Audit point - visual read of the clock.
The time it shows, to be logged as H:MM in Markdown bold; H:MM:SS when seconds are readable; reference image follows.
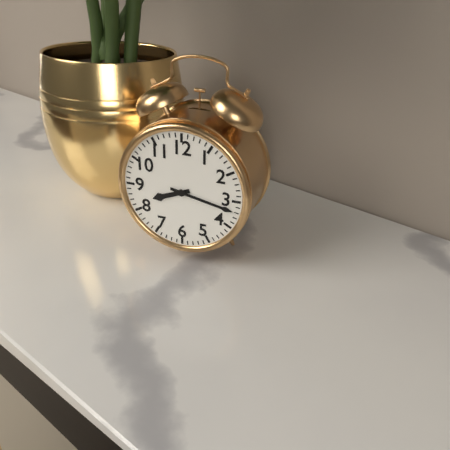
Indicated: **8:17**
